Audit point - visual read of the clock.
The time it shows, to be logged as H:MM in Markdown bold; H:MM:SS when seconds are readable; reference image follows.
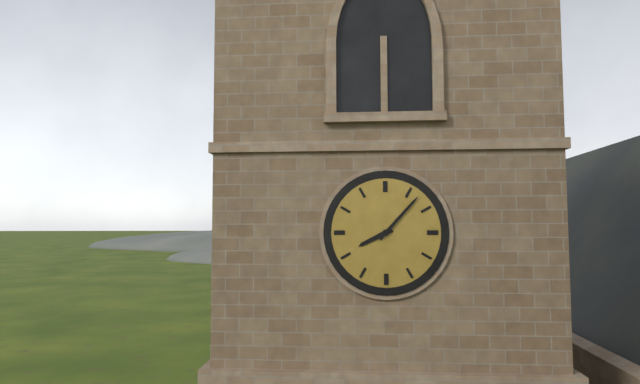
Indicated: **8:07**
